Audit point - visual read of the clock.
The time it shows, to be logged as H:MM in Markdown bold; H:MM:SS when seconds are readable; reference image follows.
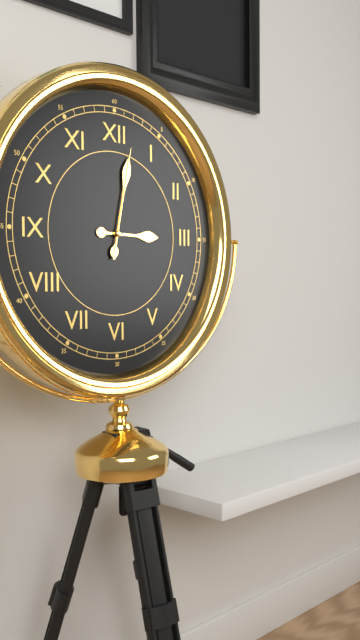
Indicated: **3:02:02**
